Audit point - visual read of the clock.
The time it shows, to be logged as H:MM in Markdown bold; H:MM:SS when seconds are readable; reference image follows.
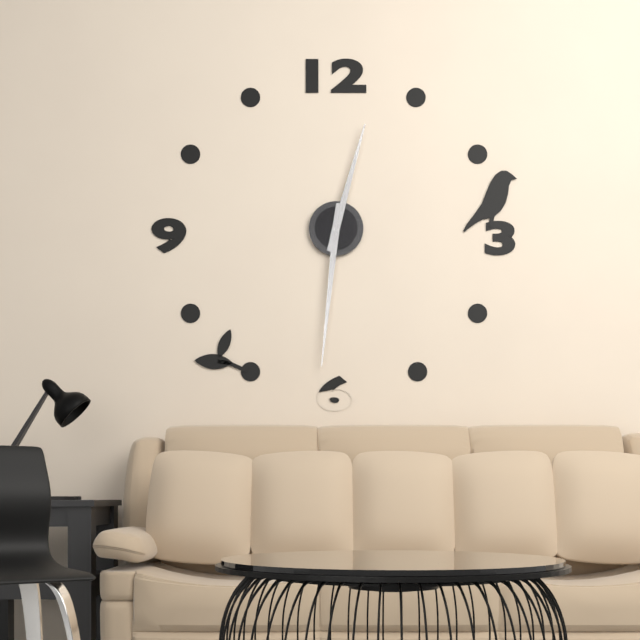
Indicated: **12:31**
